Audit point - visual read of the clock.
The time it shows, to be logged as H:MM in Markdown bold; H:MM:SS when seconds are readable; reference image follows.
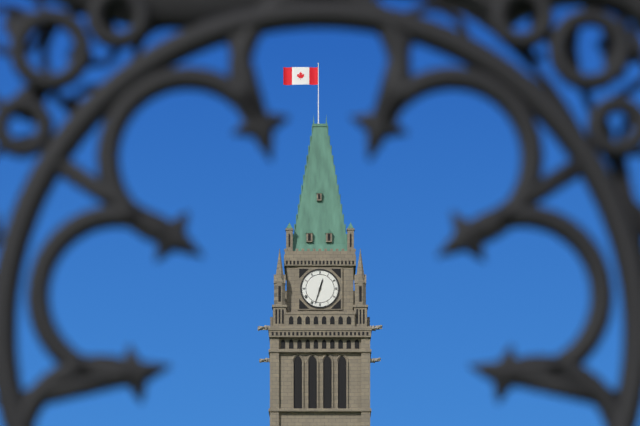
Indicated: **12:33**
